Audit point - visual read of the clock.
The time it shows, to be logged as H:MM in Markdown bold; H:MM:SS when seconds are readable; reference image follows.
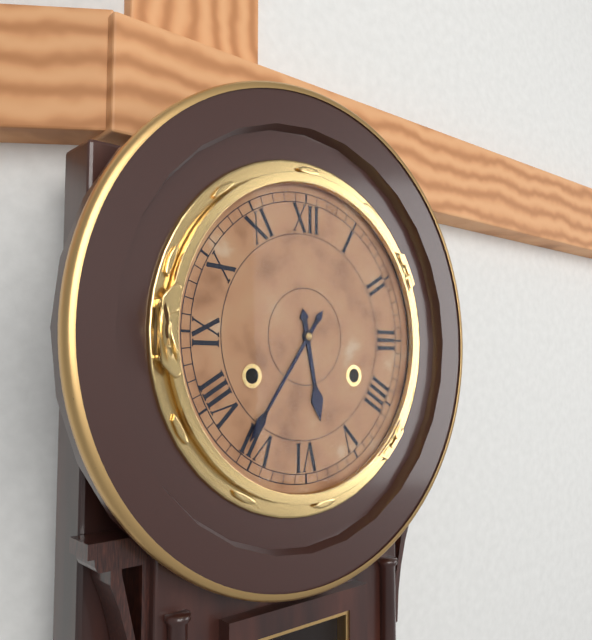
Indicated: **5:36**
